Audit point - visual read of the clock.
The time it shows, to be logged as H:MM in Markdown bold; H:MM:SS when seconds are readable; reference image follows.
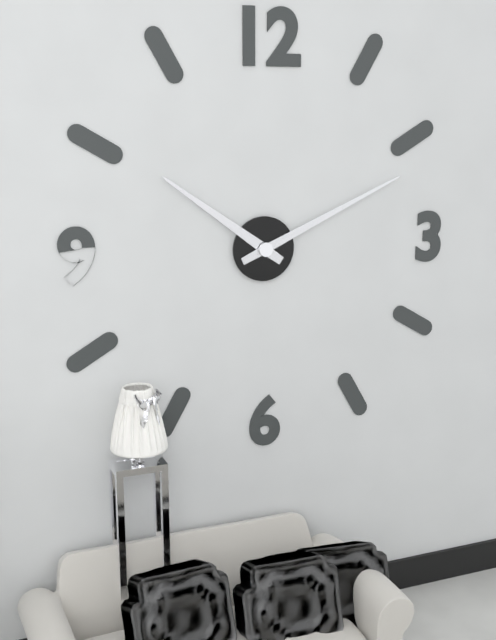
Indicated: **10:11**
